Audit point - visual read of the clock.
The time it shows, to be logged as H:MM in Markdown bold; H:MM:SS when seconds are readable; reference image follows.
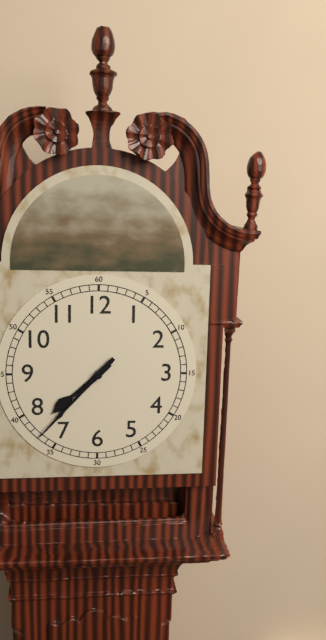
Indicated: **7:37**
